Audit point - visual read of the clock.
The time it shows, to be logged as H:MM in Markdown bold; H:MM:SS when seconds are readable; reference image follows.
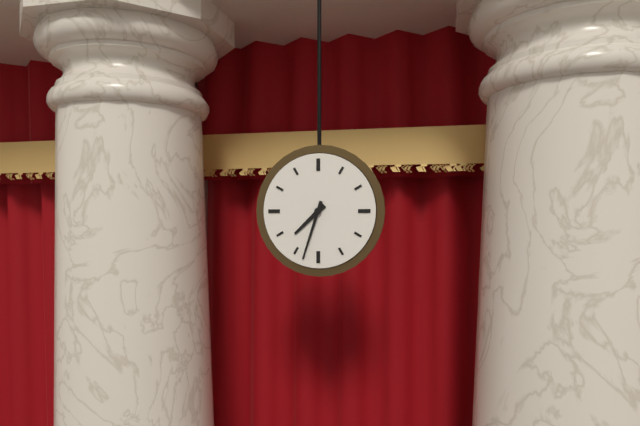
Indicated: **7:33**
